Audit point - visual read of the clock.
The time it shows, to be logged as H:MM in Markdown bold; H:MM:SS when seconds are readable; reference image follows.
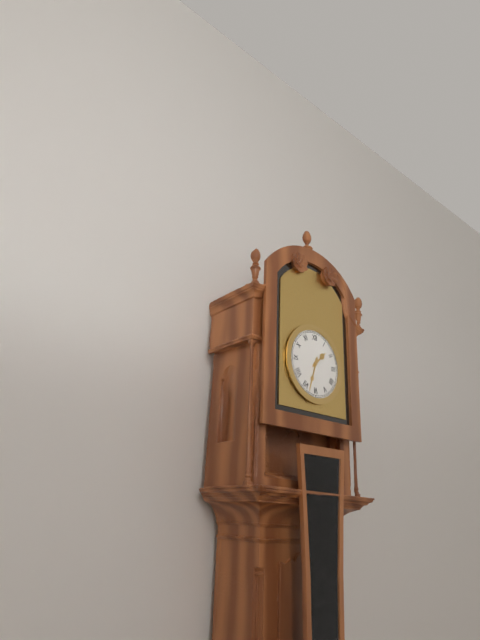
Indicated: **1:33**
